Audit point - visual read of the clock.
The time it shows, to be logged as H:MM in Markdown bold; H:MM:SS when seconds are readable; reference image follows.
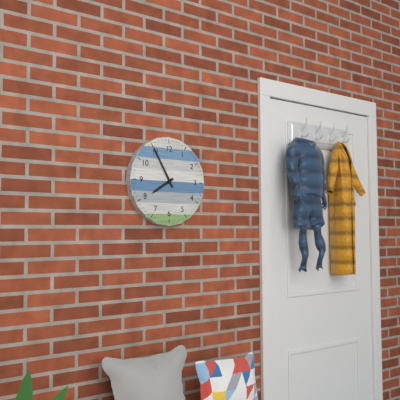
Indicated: **7:55**
